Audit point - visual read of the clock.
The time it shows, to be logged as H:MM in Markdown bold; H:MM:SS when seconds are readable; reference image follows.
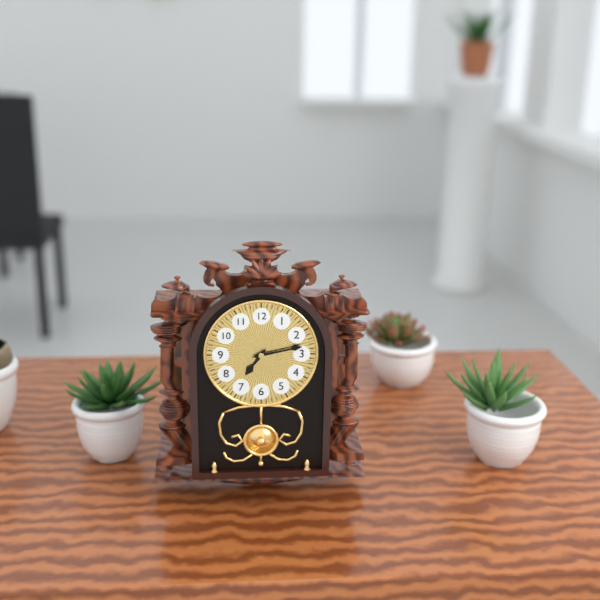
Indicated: **7:13**
